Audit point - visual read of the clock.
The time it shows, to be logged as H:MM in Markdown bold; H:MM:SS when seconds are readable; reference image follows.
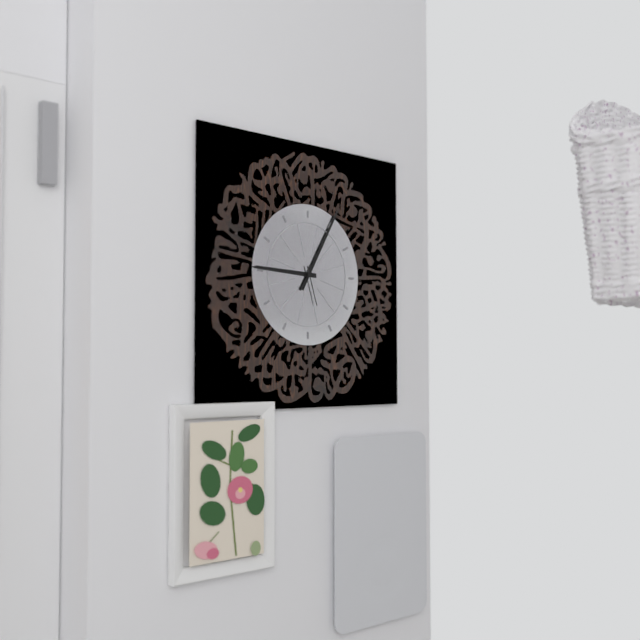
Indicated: **9:05**
